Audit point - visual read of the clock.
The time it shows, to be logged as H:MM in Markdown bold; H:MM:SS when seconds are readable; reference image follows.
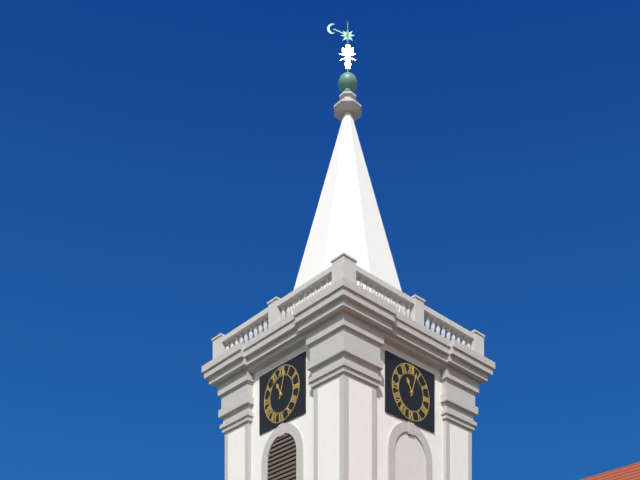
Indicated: **11:03**
